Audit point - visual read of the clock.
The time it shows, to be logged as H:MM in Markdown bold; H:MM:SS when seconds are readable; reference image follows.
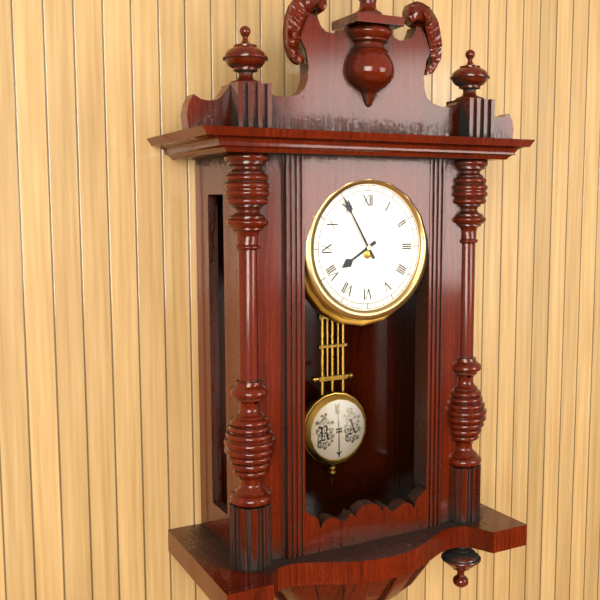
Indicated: **7:55**
